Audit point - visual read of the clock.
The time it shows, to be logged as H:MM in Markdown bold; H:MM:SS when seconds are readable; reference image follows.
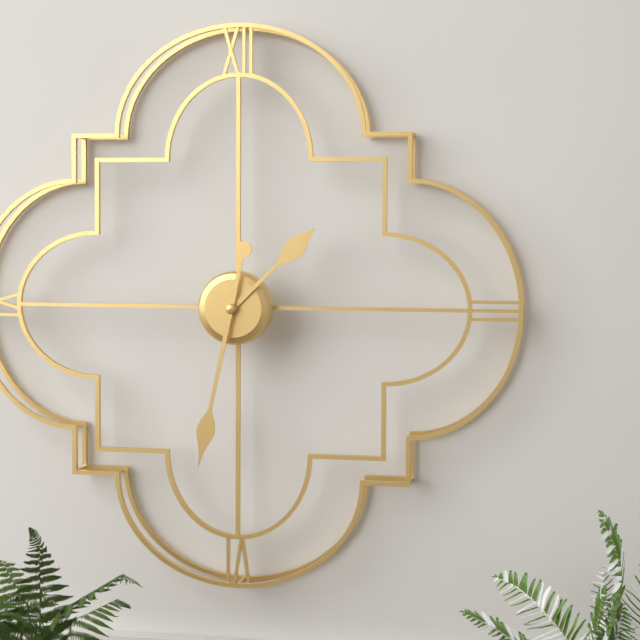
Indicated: **1:32**
